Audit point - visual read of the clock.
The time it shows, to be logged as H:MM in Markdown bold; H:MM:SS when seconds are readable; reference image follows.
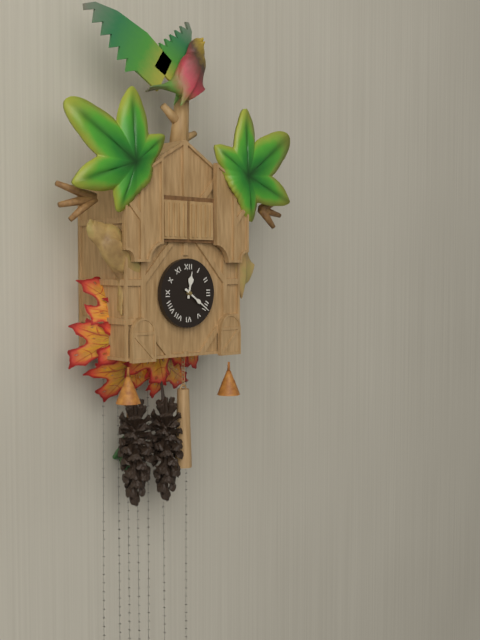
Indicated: **12:21**
